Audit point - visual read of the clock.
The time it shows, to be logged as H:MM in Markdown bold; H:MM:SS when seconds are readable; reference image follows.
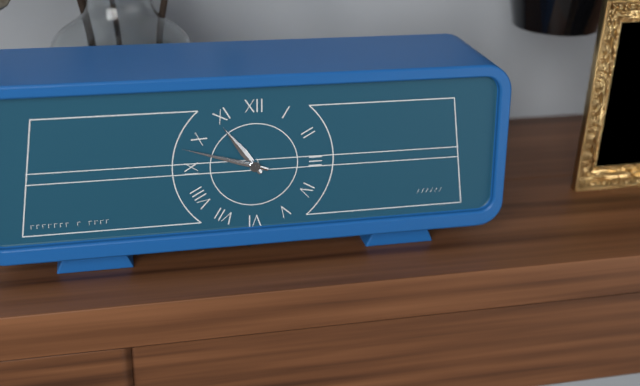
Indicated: **10:48**
